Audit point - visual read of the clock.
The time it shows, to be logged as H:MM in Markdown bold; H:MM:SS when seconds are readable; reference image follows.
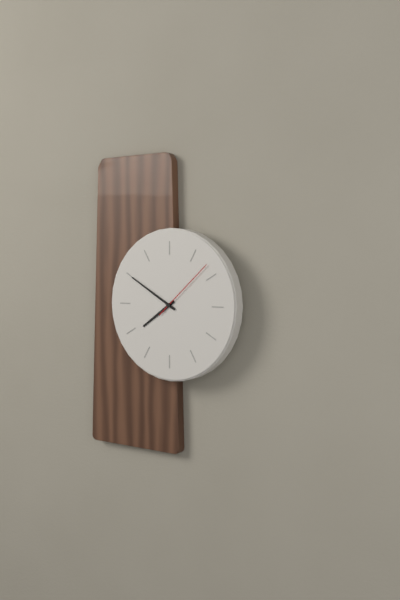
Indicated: **7:50:08**
